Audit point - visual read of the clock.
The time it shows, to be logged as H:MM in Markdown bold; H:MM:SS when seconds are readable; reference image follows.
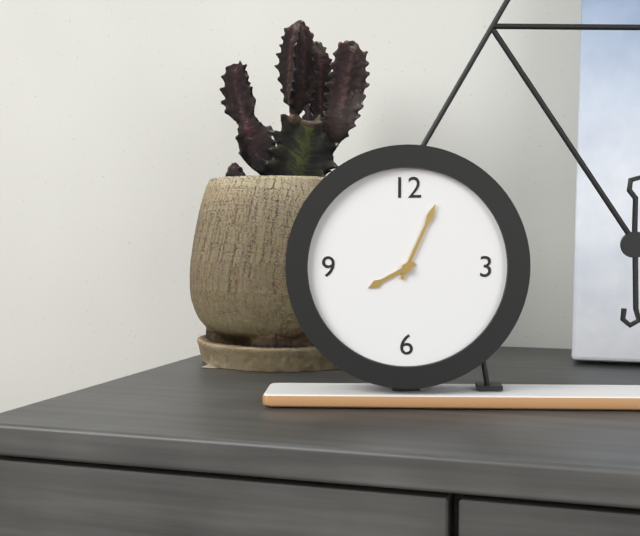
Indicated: **8:04**
